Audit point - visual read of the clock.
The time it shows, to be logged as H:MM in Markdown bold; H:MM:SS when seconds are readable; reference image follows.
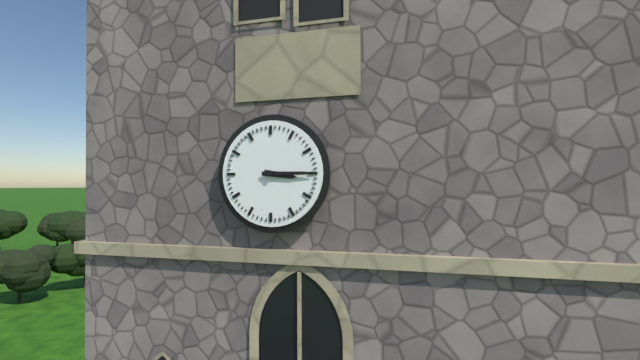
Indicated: **3:15**
